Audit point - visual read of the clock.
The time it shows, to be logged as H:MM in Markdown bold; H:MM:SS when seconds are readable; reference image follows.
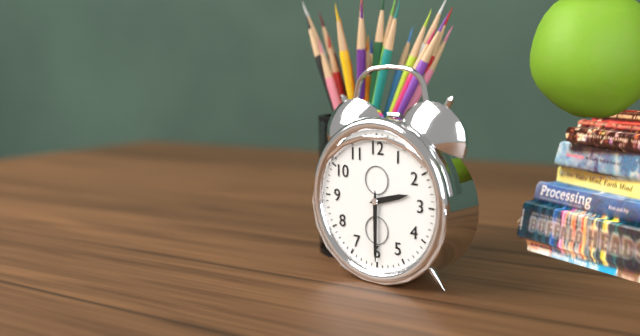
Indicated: **2:30**
